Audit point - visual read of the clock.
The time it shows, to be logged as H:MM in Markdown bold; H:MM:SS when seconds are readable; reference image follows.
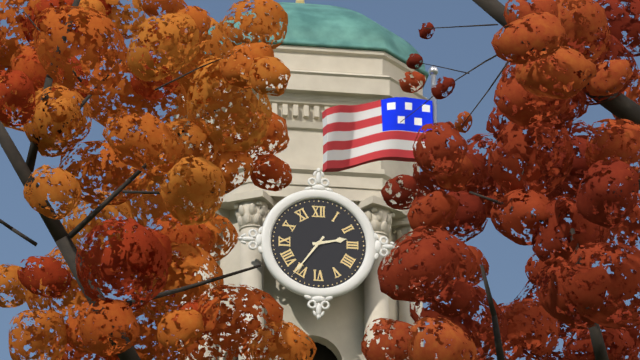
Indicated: **2:36**
